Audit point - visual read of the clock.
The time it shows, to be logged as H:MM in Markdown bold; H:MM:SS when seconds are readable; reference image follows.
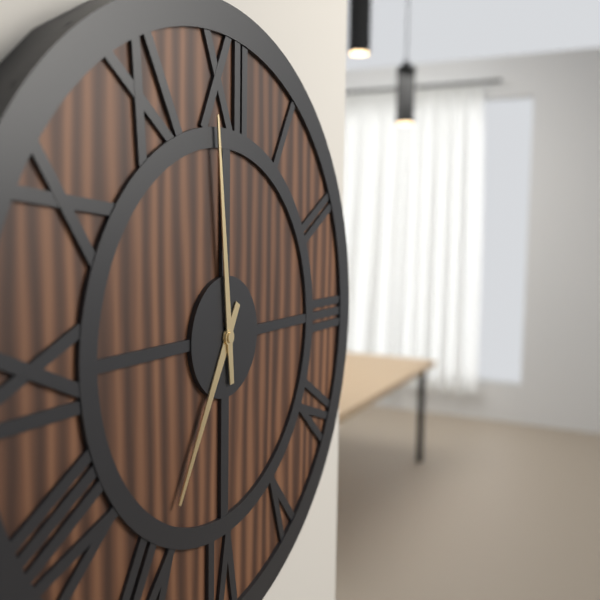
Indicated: **6:59**
